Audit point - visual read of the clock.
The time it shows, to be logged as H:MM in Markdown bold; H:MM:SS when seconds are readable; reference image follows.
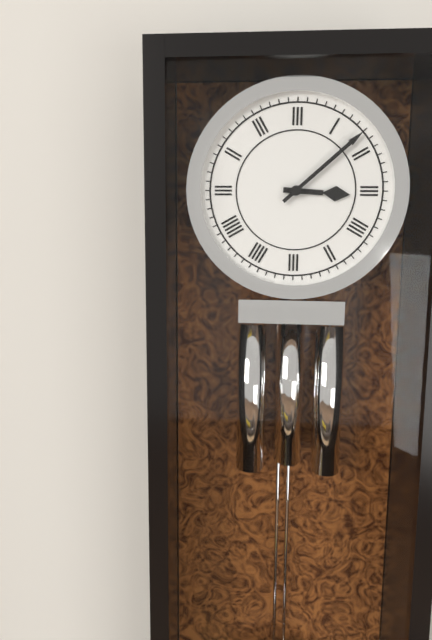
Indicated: **3:08**
